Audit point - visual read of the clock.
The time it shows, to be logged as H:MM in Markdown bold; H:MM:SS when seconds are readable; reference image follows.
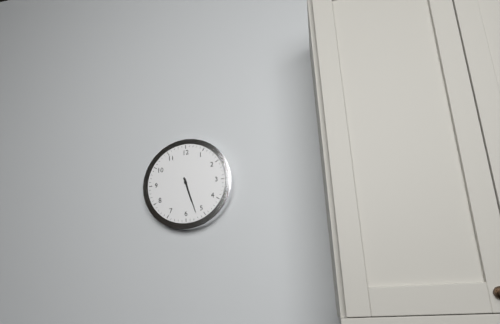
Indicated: **5:27**
